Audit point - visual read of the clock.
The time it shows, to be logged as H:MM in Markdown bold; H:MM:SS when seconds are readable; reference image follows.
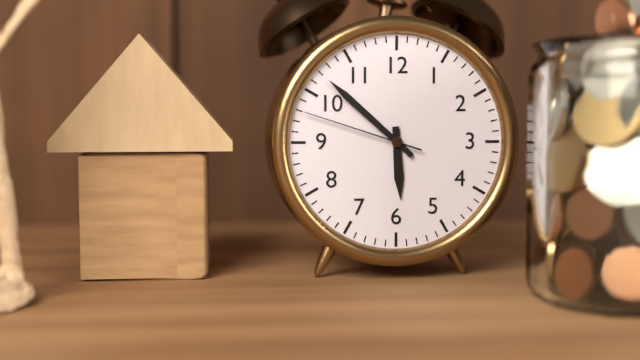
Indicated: **5:52:48**
